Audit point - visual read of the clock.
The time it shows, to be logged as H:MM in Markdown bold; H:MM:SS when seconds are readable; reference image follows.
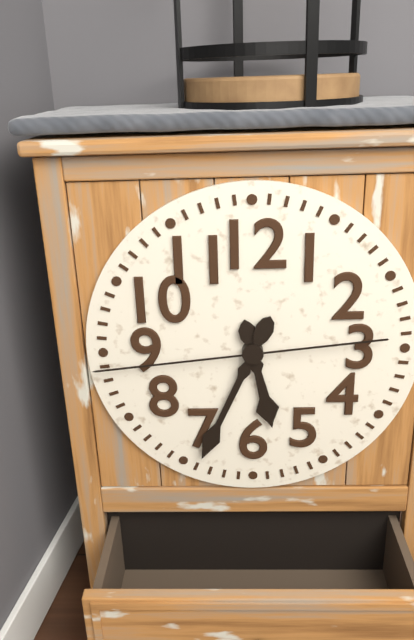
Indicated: **5:34:44**
